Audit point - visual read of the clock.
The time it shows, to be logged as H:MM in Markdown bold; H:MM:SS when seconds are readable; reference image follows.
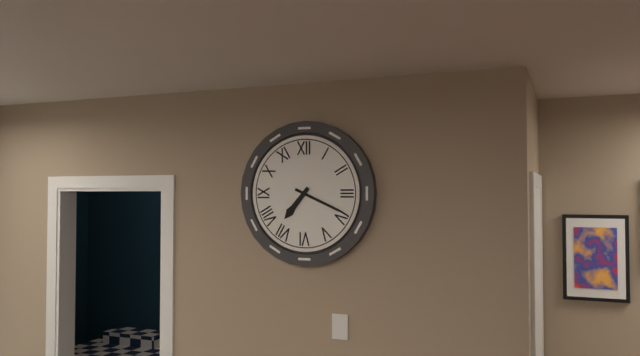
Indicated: **7:19**
